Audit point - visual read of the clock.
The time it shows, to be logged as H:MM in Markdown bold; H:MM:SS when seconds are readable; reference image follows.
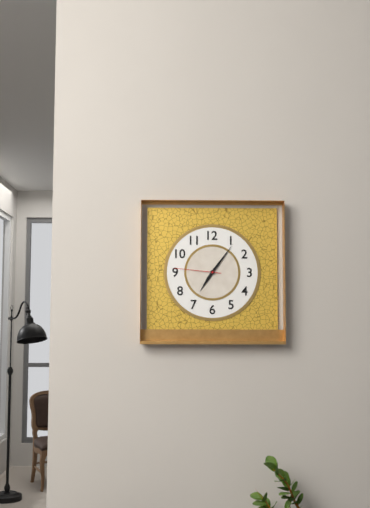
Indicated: **7:06**
